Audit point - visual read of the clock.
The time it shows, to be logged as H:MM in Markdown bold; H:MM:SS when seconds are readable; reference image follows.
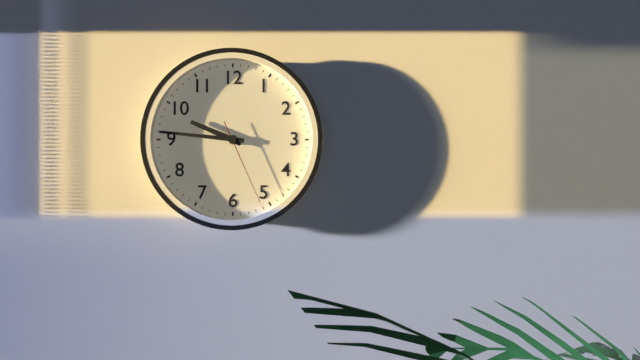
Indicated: **9:46:26**
